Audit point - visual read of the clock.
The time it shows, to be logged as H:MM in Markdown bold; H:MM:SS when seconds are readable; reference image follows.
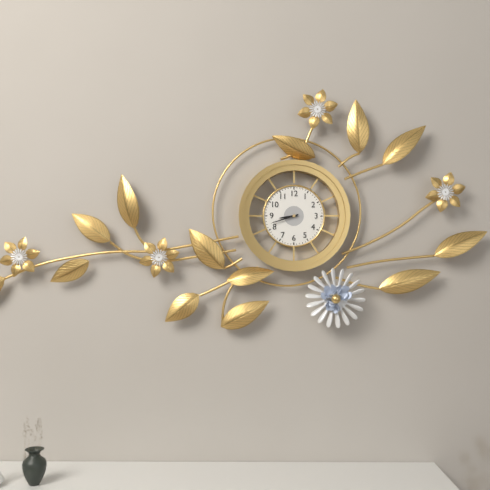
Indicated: **8:42**
